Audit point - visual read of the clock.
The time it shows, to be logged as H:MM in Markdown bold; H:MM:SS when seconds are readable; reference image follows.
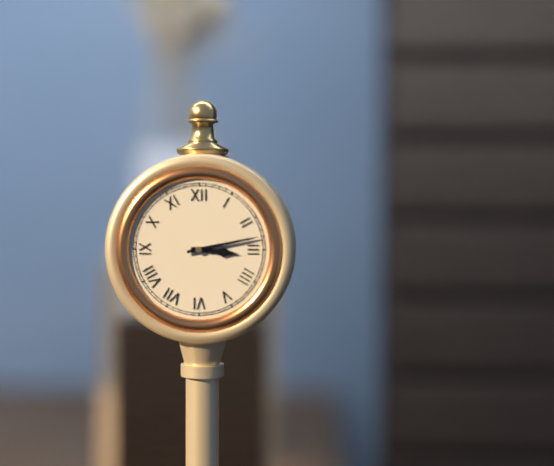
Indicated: **3:13**
